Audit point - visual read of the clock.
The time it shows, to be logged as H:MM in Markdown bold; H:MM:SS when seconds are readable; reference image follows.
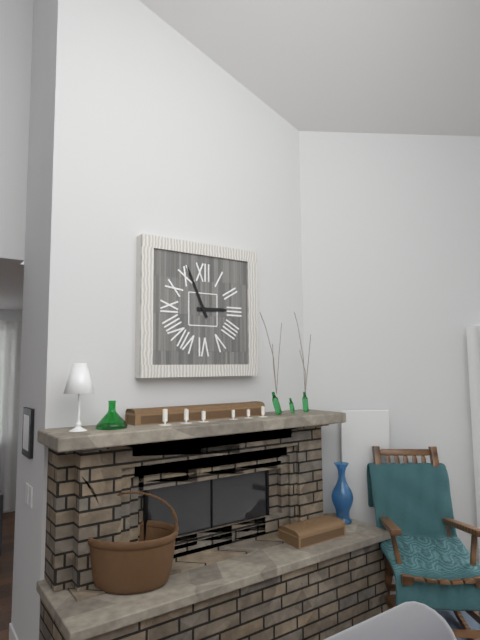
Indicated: **2:56**
